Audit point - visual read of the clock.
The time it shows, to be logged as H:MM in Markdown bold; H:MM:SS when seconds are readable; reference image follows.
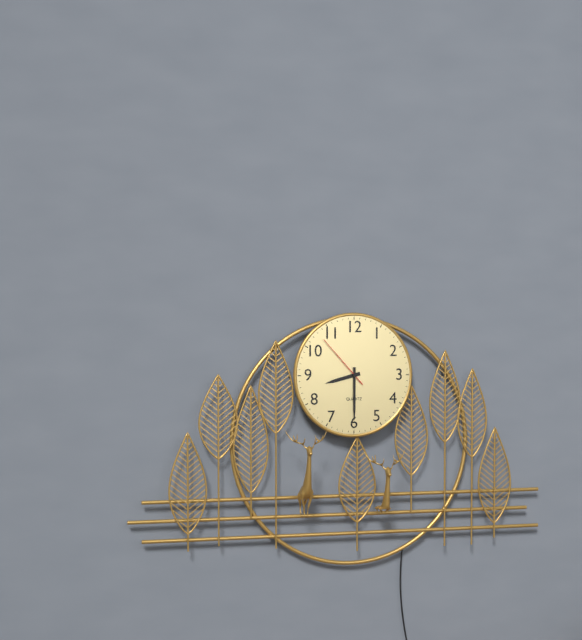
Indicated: **8:30:53**
